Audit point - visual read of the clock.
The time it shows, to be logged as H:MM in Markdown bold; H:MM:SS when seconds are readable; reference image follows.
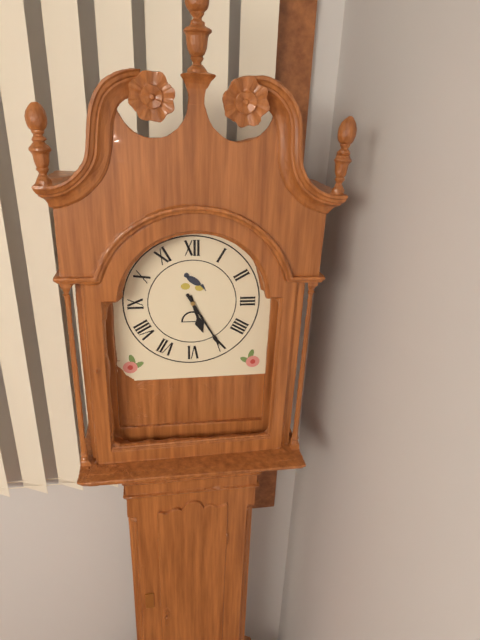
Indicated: **5:25**
